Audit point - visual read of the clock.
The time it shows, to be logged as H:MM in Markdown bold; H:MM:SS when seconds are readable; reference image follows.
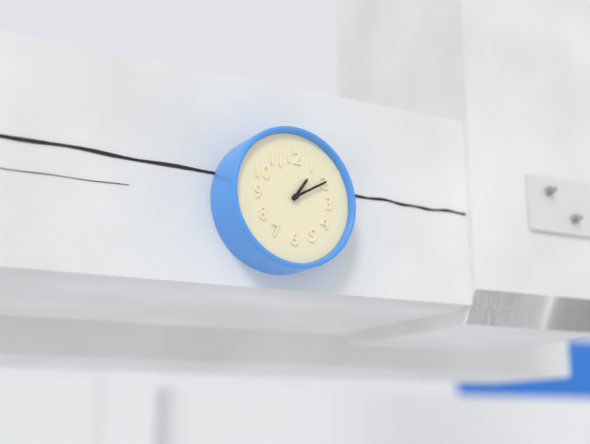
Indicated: **1:10**
